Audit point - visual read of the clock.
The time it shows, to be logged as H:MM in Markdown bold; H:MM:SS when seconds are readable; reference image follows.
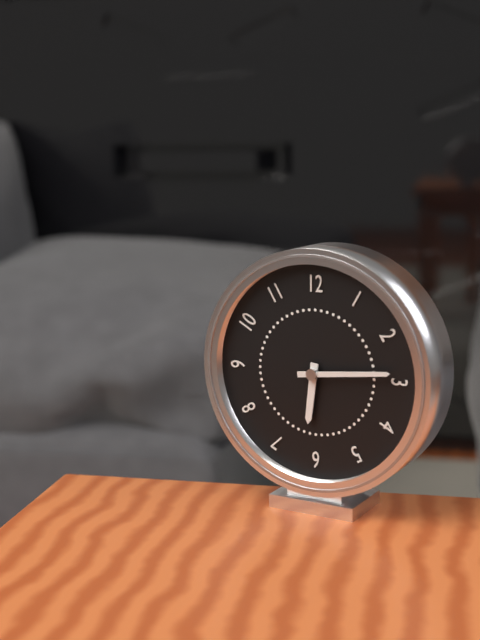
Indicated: **6:14**
